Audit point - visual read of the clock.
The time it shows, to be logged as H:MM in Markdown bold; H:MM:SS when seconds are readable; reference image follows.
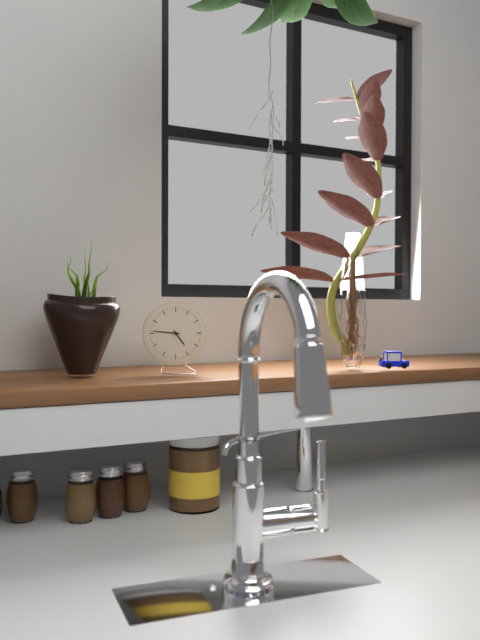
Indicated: **4:46**
